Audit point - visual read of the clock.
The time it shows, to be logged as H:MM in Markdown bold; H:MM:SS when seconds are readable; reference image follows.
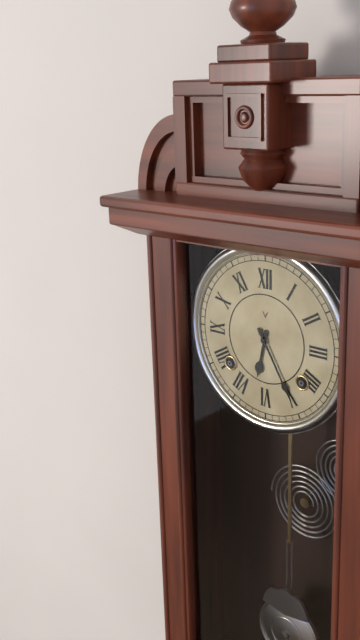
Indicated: **6:25**
